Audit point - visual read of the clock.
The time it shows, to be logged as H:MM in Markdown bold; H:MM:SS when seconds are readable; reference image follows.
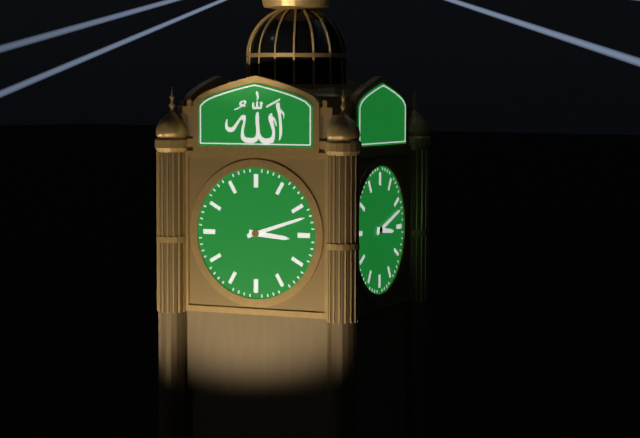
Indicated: **3:12**
